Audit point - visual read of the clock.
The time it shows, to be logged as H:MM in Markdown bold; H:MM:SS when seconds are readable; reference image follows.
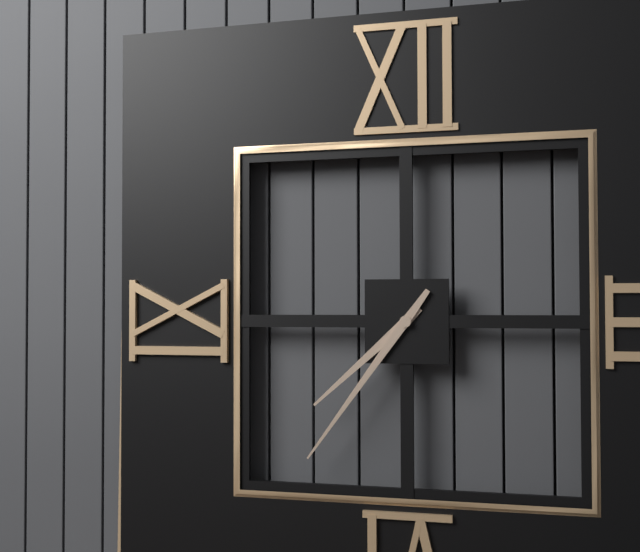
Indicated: **7:36**
